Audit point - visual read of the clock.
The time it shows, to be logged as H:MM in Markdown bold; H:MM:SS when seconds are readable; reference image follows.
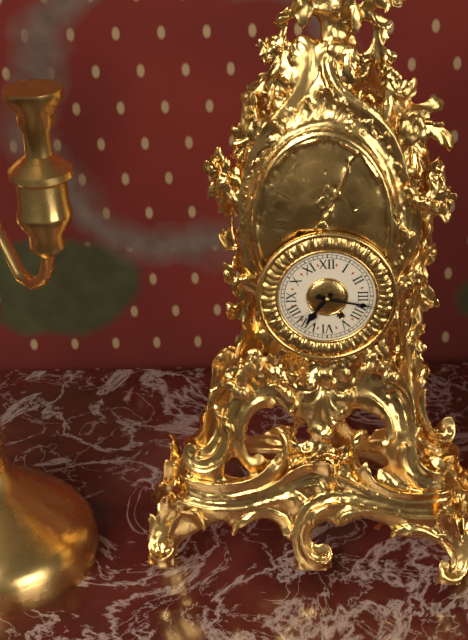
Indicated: **7:17**
